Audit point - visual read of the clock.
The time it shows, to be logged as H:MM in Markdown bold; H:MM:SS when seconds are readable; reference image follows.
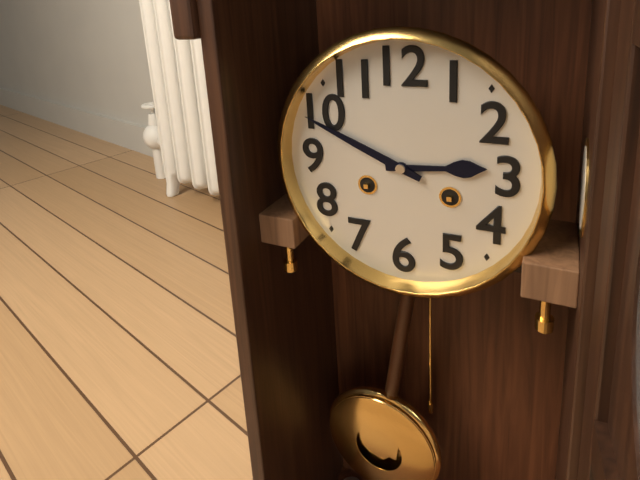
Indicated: **2:49**
